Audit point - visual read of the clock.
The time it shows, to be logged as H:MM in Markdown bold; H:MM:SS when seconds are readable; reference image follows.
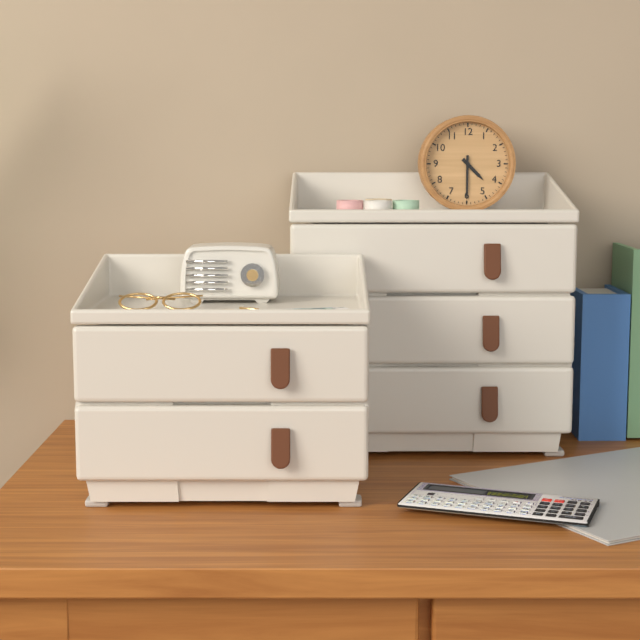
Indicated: **4:30**
